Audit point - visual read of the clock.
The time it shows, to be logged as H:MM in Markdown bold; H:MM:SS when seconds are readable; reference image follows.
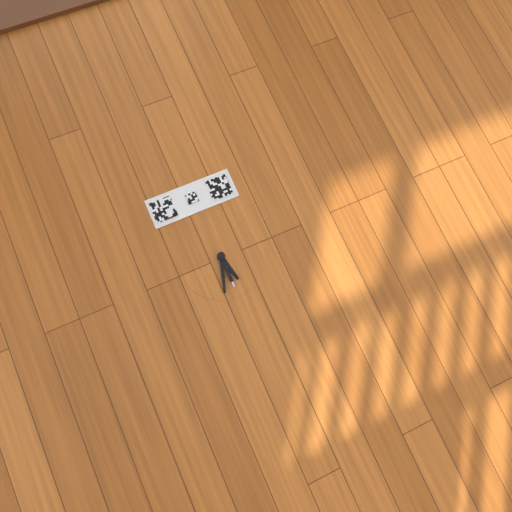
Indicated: **5:33**
